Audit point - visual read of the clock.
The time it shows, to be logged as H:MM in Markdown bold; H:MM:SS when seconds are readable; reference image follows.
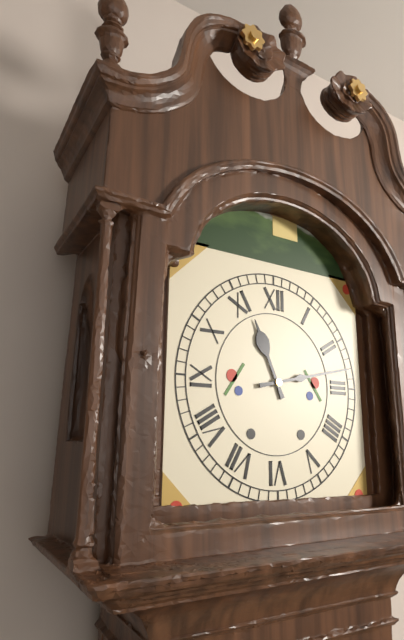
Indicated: **11:13**
